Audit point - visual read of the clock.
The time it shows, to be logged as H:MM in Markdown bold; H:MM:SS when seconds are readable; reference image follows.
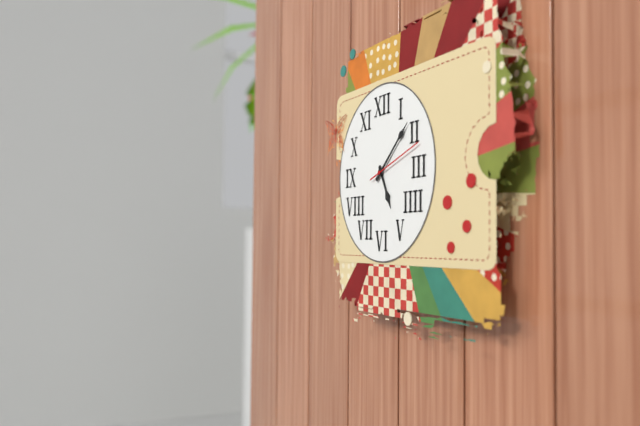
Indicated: **5:08:12**
